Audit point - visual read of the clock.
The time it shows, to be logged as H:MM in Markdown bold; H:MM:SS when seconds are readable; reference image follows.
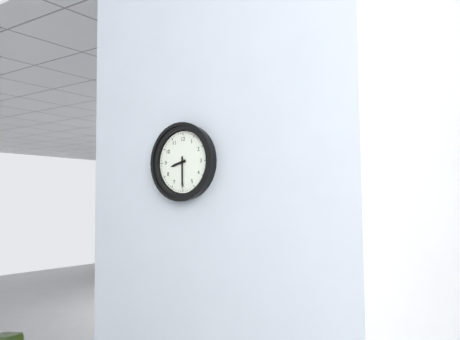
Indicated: **8:30**
